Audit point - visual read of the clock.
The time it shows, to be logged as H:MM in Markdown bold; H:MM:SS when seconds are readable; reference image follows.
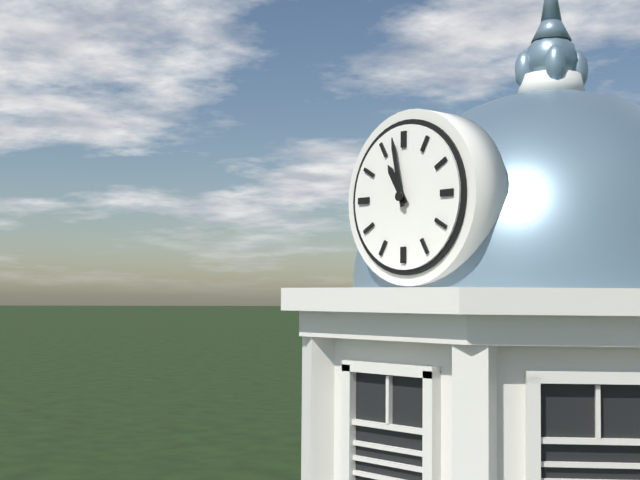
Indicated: **10:58**
